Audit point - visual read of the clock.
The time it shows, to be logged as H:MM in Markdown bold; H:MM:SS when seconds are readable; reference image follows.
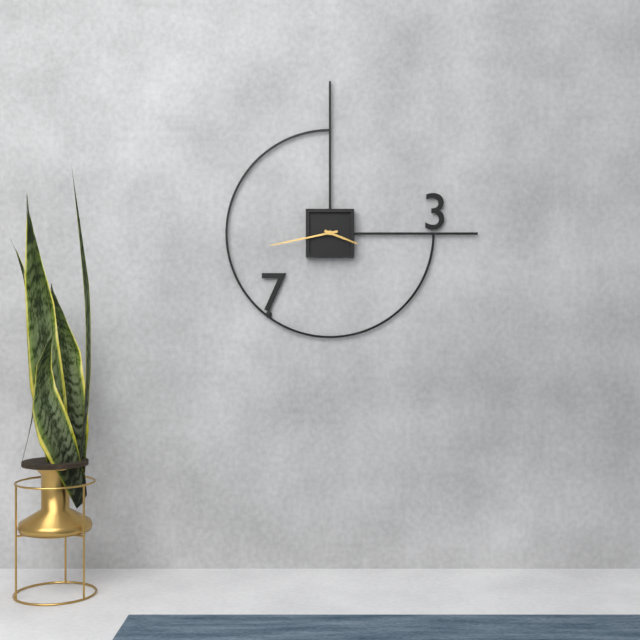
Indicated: **3:43**
